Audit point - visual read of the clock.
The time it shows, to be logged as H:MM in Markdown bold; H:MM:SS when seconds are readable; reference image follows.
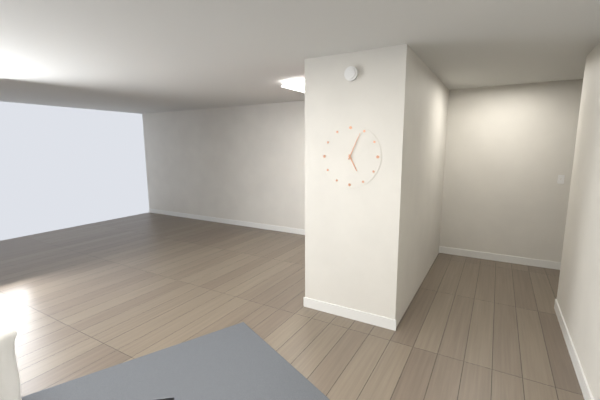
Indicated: **5:04**
